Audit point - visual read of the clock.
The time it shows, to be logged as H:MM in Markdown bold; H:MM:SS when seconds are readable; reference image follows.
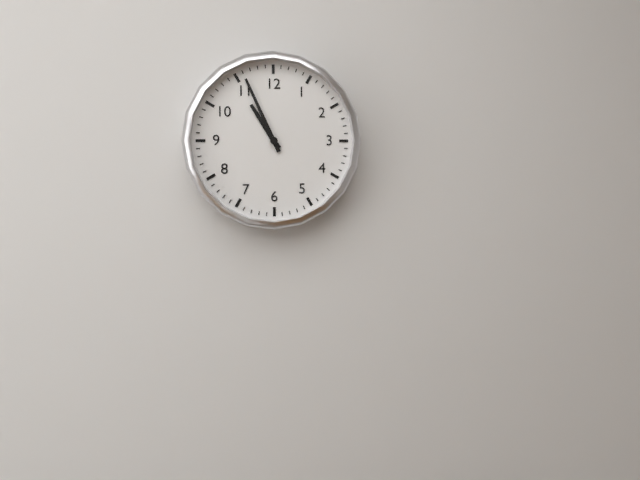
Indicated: **10:56**
